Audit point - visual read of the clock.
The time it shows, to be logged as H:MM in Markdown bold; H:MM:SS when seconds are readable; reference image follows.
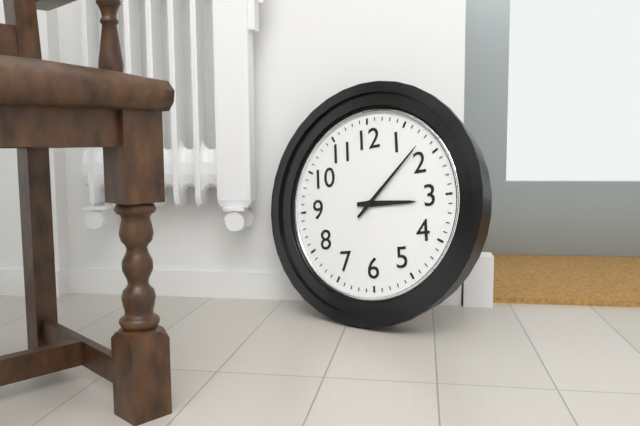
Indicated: **3:08**
